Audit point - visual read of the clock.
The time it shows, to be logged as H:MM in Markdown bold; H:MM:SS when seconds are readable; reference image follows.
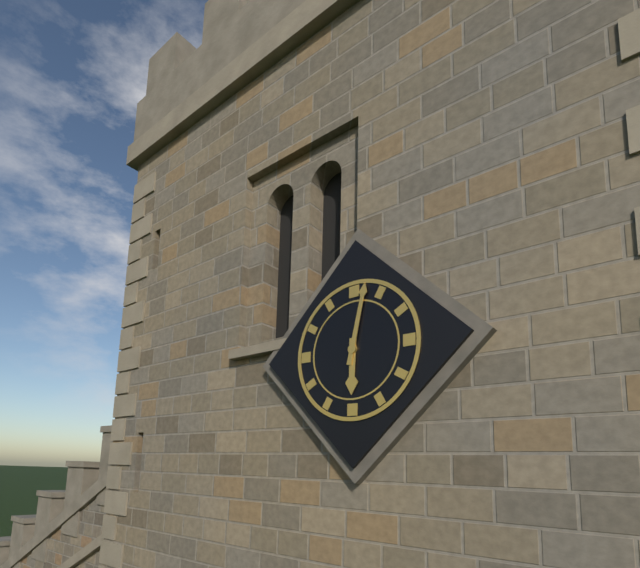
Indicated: **6:02**
